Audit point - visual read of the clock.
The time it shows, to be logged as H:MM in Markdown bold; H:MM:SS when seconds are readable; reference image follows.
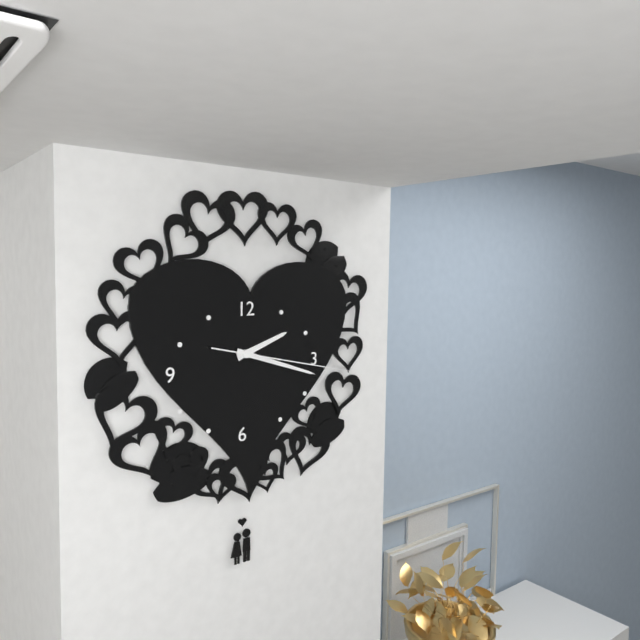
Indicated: **2:18:17**
